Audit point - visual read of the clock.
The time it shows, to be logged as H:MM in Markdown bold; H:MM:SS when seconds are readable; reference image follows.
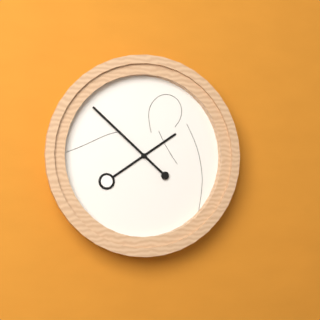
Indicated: **1:52**
